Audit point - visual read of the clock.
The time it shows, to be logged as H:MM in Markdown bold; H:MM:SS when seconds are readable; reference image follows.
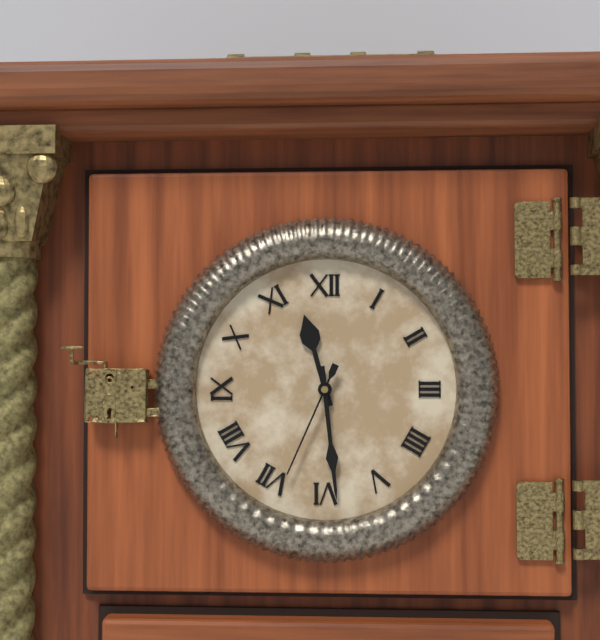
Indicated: **11:29:34**
